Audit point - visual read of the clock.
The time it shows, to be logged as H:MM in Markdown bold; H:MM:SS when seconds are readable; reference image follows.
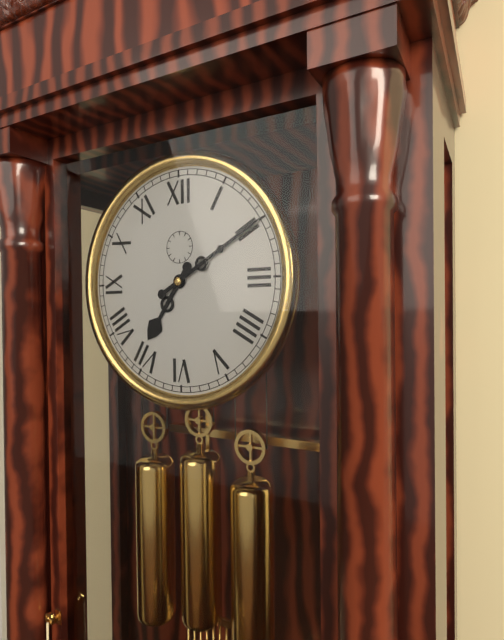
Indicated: **7:10**
